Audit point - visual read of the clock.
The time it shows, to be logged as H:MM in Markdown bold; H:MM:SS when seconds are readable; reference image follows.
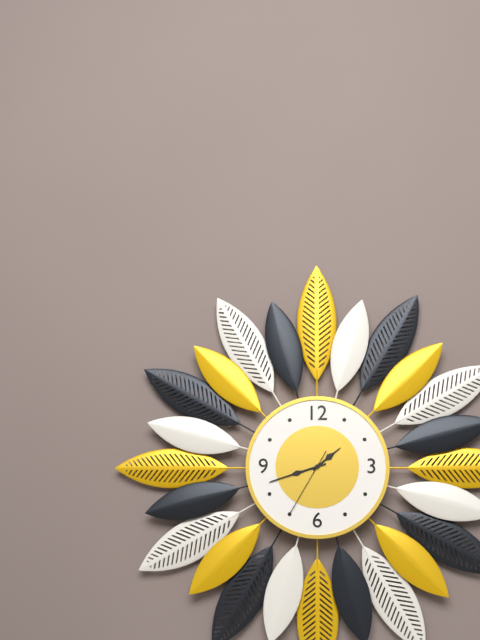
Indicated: **1:42:35**
